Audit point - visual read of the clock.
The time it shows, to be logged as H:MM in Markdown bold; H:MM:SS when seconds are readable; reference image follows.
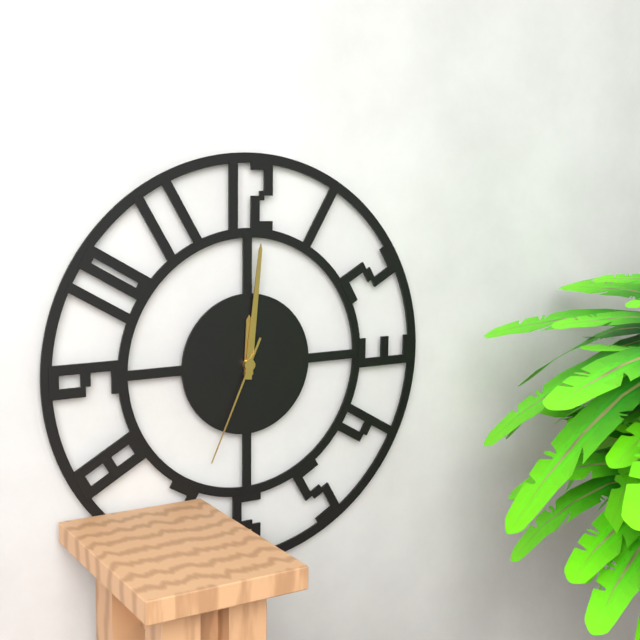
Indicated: **12:01:34**
